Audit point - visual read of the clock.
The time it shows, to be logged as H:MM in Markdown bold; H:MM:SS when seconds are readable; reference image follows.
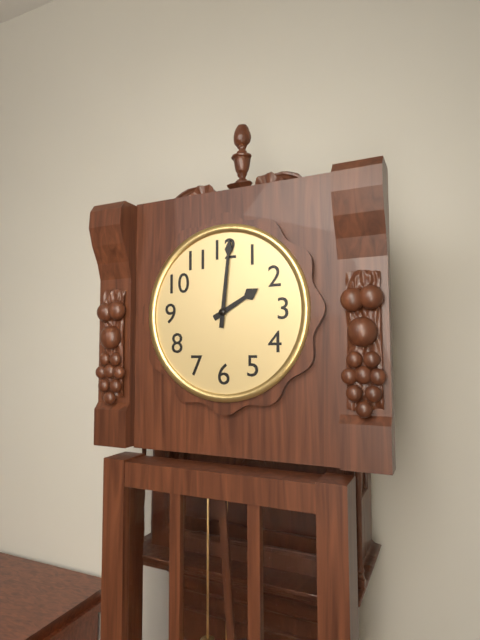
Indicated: **2:01**
